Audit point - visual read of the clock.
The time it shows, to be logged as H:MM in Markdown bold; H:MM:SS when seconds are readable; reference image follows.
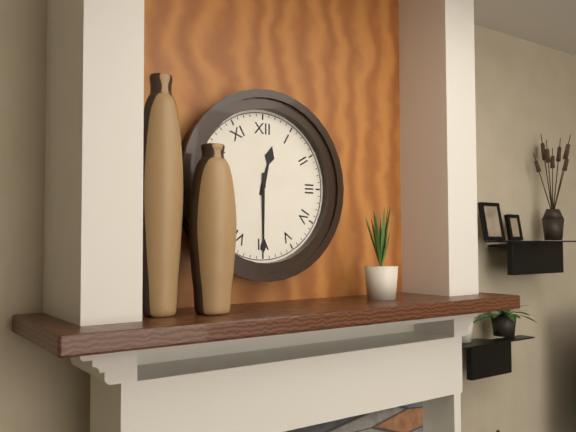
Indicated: **12:30**
